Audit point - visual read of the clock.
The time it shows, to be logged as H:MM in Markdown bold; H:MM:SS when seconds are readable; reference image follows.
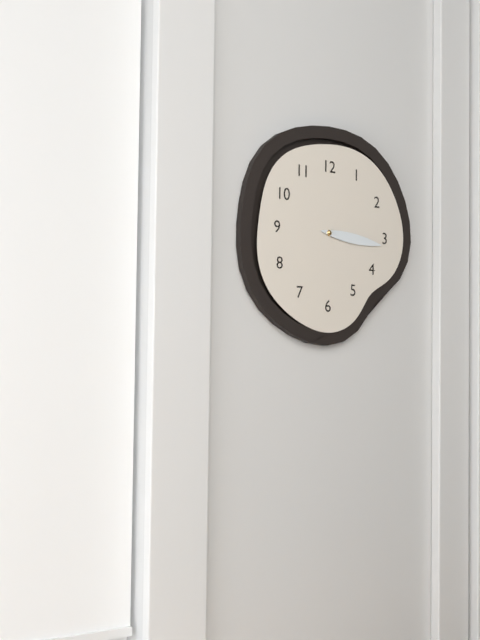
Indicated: **3:16**
